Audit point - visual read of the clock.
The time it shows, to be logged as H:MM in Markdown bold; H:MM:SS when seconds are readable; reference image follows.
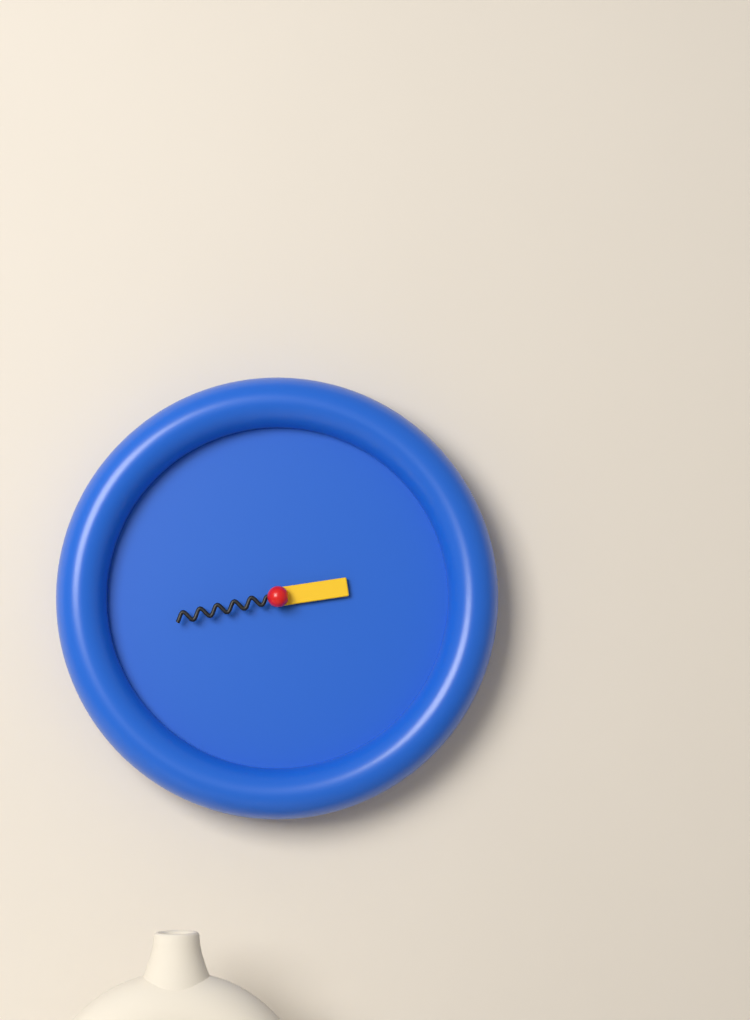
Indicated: **2:43**
